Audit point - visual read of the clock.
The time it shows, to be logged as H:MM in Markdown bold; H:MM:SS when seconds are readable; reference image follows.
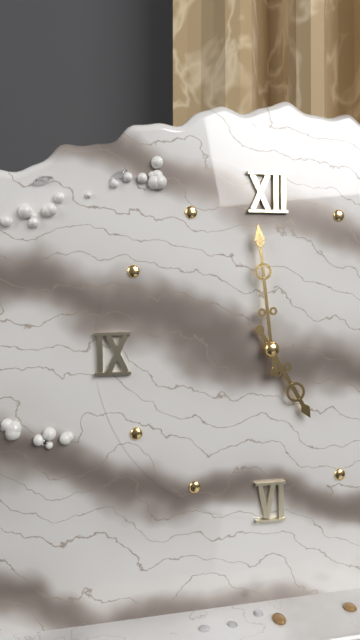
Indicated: **4:59**
